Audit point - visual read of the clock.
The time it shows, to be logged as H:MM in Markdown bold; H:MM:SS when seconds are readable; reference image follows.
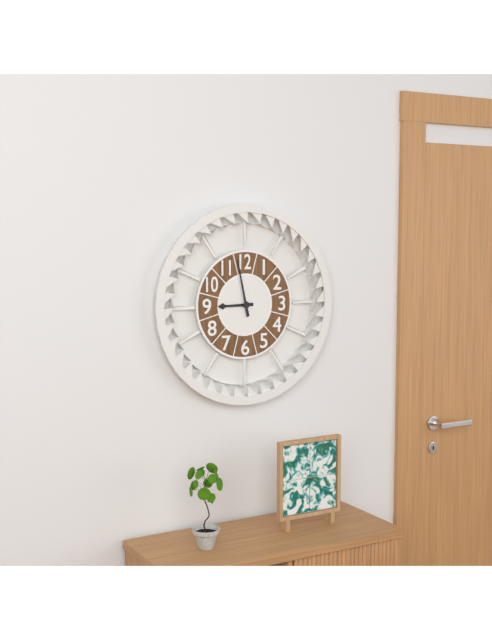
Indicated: **8:58**
